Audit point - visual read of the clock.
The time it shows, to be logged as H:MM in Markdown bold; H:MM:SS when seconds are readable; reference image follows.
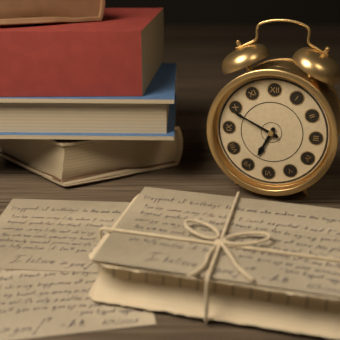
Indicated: **6:49**
